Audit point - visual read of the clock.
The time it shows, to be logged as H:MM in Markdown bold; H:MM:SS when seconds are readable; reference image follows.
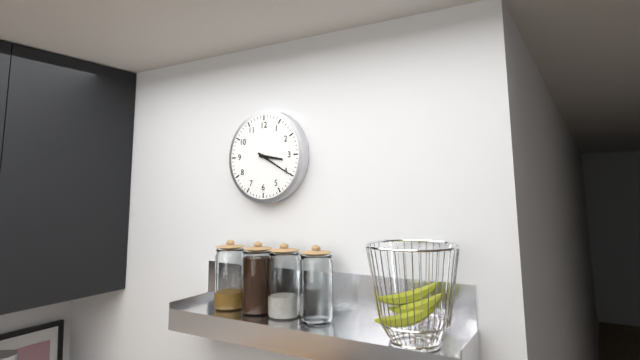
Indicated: **3:20**
